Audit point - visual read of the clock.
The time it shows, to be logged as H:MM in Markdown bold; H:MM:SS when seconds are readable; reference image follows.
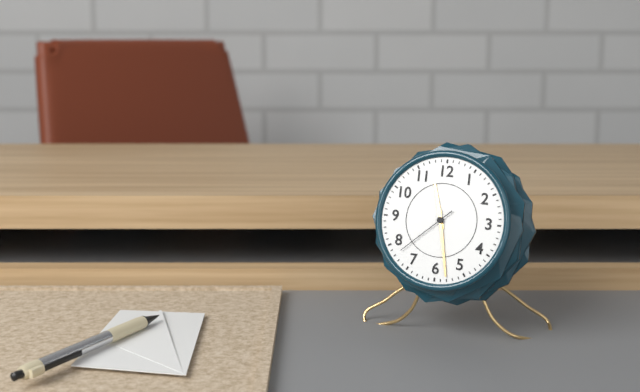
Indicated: **11:28:38**
